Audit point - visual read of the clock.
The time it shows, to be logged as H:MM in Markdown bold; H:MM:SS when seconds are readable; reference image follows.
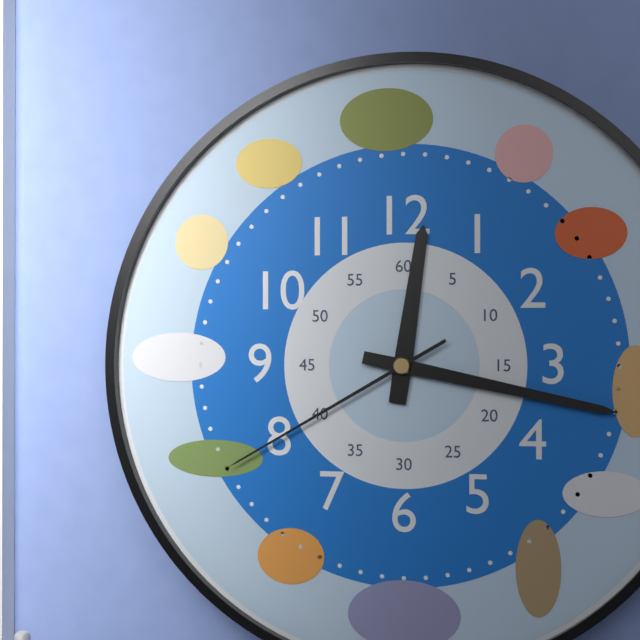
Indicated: **12:17:40**
